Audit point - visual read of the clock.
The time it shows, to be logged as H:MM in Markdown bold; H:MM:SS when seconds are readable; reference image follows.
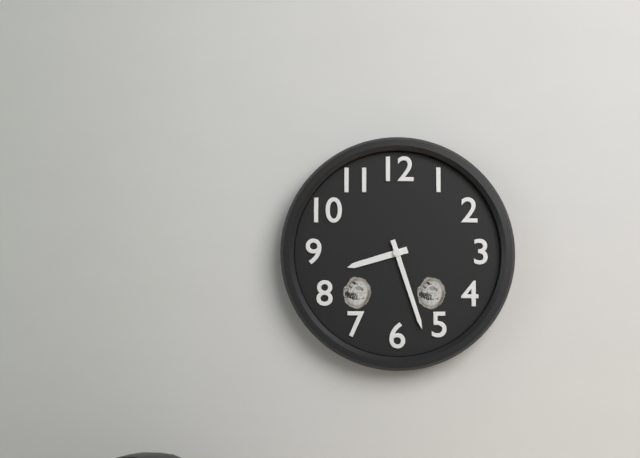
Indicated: **8:27**
